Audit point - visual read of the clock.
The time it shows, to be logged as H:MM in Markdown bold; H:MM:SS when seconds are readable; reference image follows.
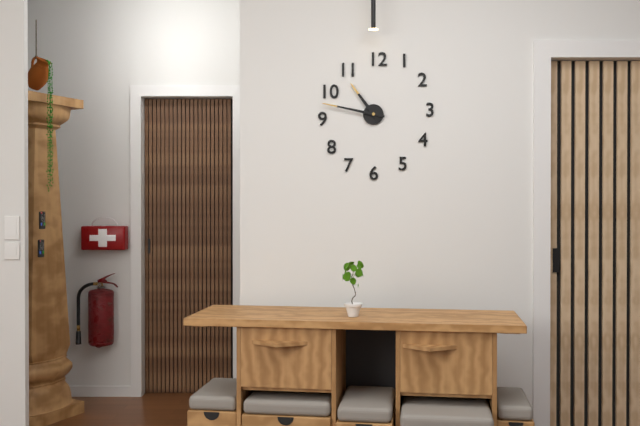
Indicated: **10:47**
